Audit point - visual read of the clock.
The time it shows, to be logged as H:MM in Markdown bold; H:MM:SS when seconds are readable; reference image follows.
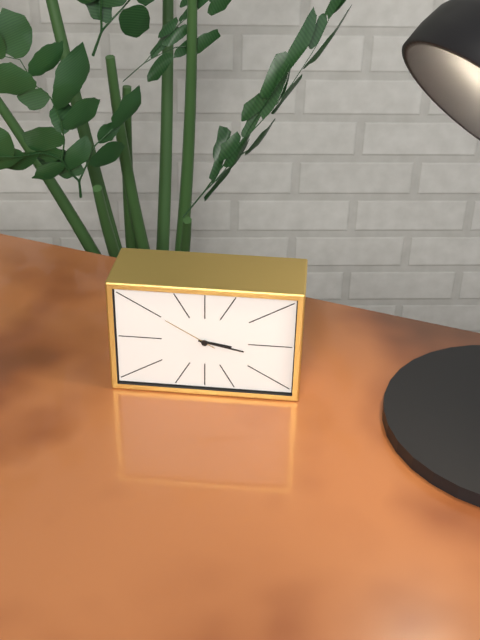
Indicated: **3:17:50**
